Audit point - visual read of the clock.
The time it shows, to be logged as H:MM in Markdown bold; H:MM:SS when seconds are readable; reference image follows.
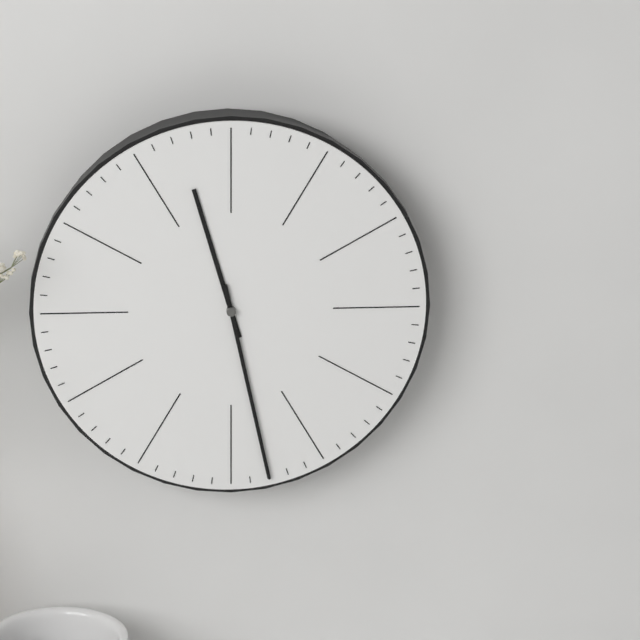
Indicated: **11:28**
